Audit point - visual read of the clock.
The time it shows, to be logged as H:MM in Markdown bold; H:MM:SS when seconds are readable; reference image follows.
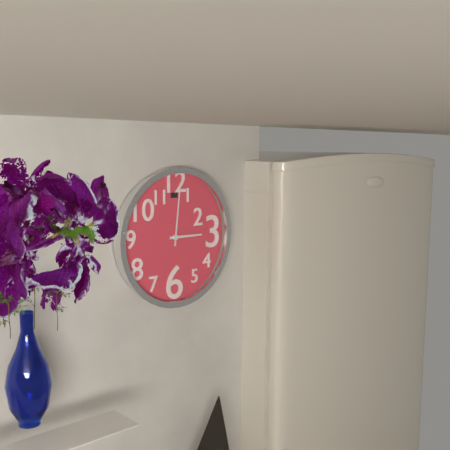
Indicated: **3:01**
